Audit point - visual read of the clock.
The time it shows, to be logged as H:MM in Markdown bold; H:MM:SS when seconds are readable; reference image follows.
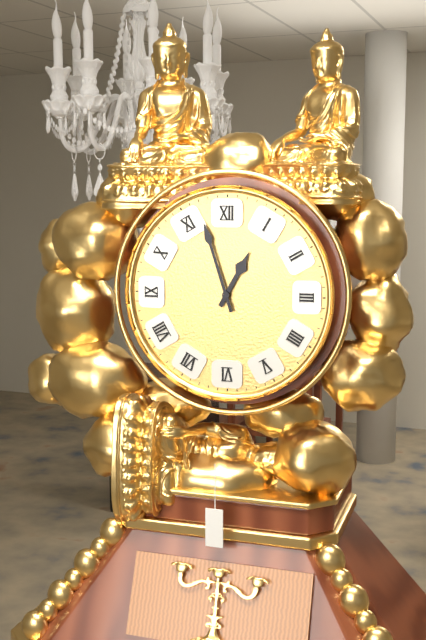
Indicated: **12:57**
